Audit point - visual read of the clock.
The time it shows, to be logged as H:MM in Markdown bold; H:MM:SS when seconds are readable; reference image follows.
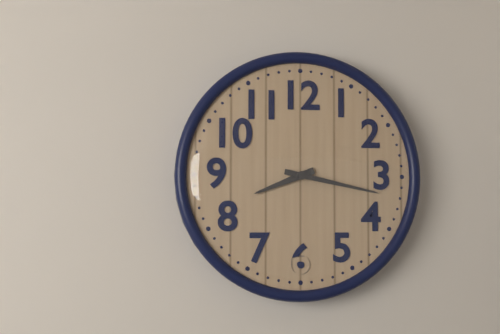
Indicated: **8:17**
